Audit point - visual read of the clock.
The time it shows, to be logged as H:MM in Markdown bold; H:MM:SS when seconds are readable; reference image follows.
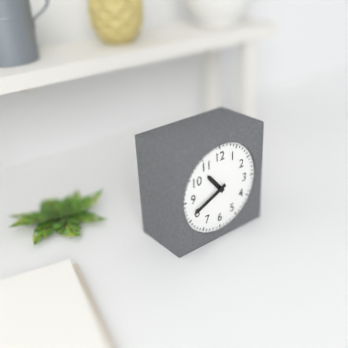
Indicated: **10:41**
